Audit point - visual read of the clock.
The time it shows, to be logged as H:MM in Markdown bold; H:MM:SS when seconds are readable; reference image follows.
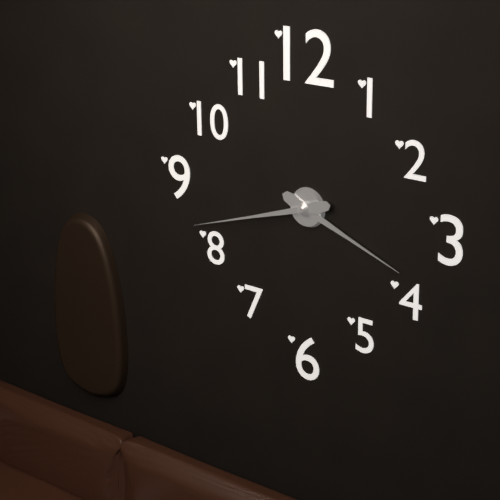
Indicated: **3:42**
